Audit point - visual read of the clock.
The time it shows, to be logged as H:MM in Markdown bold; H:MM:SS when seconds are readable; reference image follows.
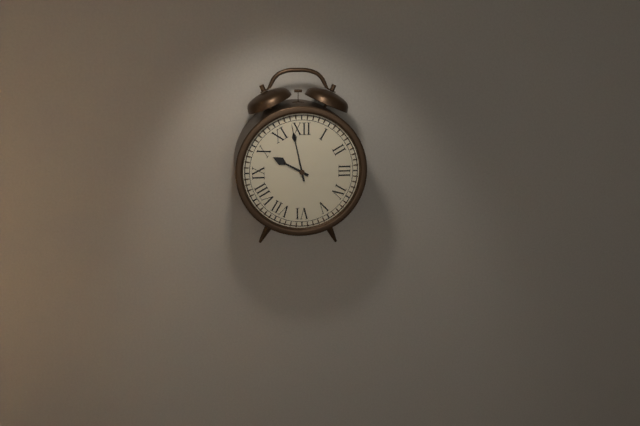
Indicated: **9:58**
